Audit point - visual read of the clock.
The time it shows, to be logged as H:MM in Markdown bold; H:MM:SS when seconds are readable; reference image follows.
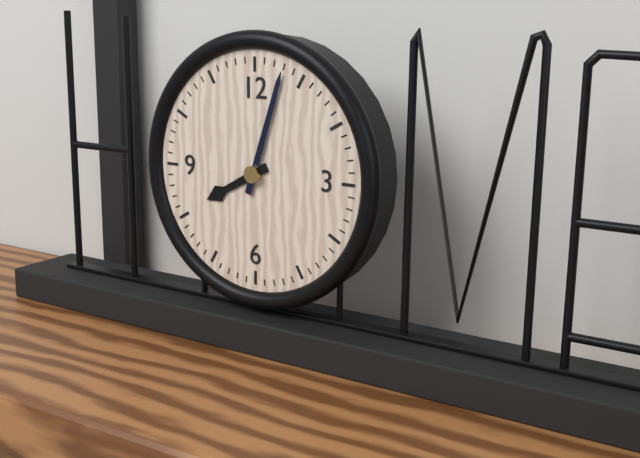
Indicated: **8:03**
